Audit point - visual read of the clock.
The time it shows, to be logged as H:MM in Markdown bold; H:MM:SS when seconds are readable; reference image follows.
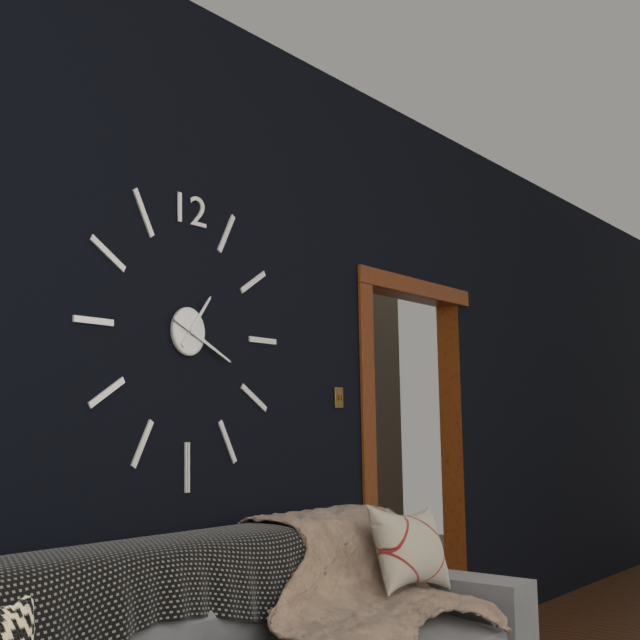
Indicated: **1:19**
